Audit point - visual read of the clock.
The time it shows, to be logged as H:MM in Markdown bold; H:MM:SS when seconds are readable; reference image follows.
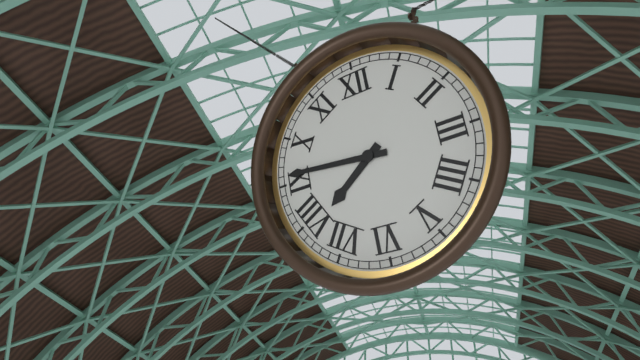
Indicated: **7:46**
